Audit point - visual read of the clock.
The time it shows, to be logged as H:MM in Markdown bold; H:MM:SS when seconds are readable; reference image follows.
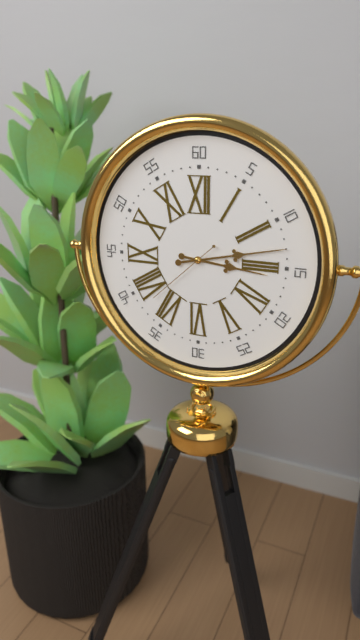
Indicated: **3:13:38**
